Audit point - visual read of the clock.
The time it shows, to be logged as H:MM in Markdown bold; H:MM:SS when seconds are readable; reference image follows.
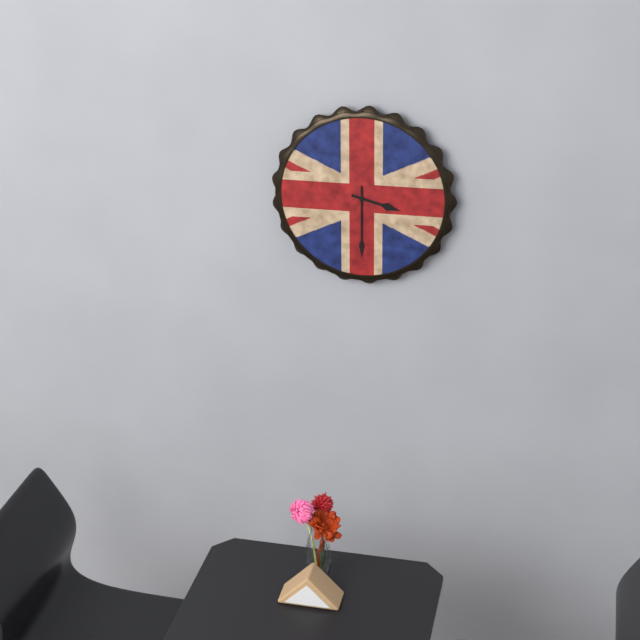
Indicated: **3:30**
